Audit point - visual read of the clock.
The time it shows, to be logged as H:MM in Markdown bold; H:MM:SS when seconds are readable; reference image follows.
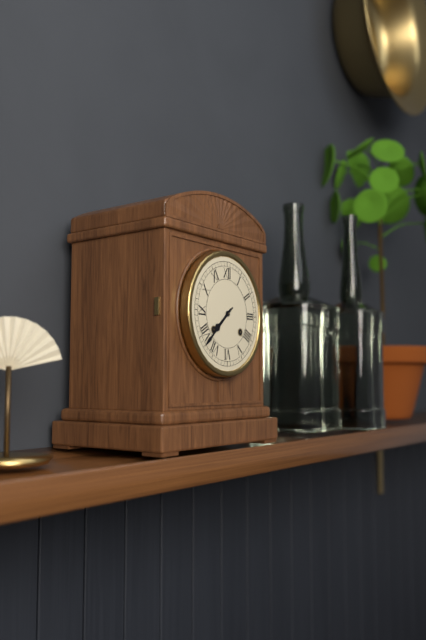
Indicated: **7:38**
